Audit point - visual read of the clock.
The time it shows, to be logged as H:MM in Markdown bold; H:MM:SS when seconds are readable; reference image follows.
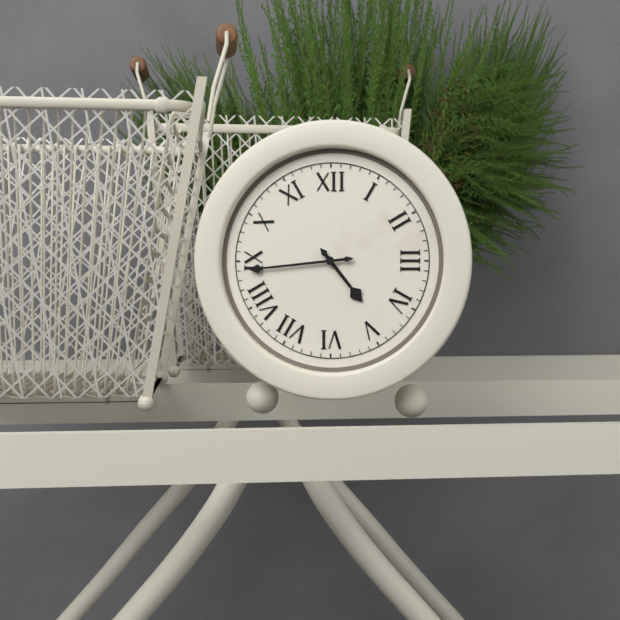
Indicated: **4:44**
